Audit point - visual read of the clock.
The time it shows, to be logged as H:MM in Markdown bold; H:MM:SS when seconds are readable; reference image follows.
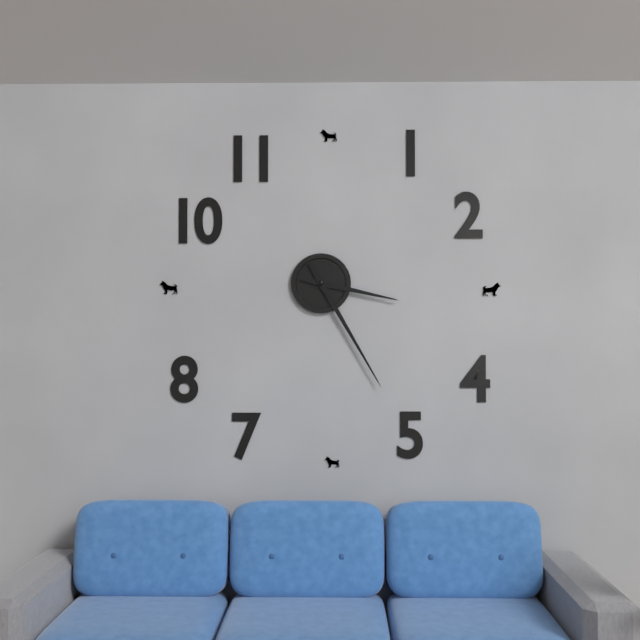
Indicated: **3:25**
